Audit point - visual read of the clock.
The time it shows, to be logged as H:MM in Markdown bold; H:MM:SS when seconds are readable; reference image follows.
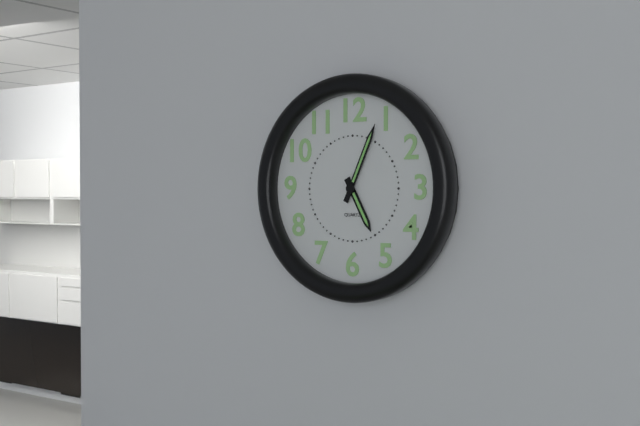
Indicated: **5:04**
